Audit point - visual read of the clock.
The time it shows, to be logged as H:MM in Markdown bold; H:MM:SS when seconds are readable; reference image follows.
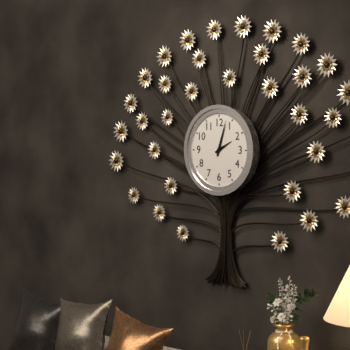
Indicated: **2:03**
